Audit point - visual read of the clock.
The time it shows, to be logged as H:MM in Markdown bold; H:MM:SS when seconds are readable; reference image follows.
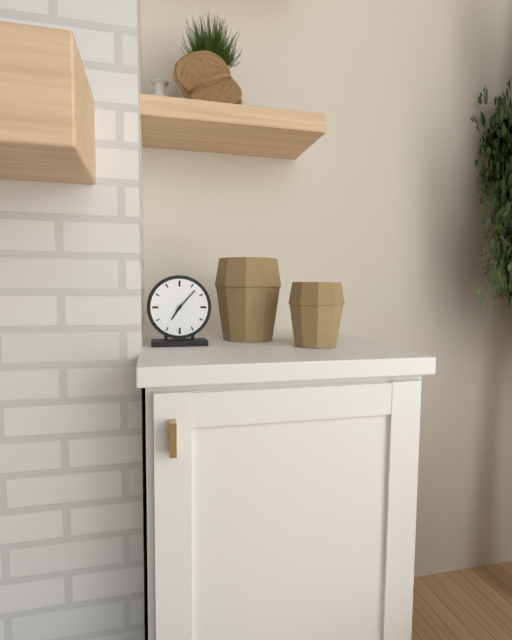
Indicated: **7:07**
